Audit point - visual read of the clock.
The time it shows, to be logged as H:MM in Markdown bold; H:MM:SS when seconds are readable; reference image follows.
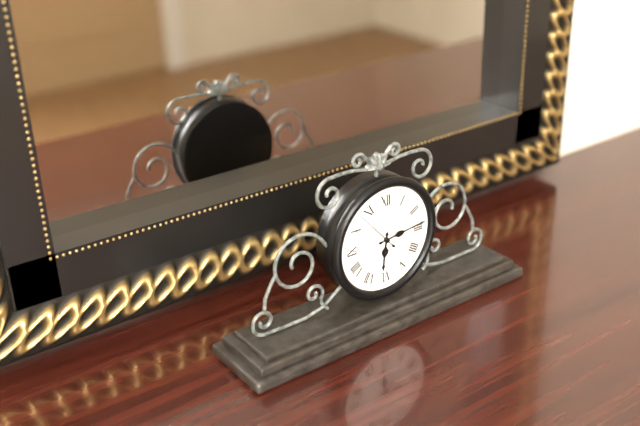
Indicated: **6:14**
